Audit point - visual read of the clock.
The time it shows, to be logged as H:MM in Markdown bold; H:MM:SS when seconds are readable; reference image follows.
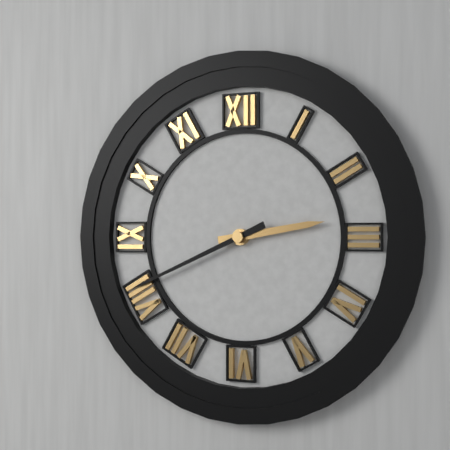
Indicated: **2:41**
